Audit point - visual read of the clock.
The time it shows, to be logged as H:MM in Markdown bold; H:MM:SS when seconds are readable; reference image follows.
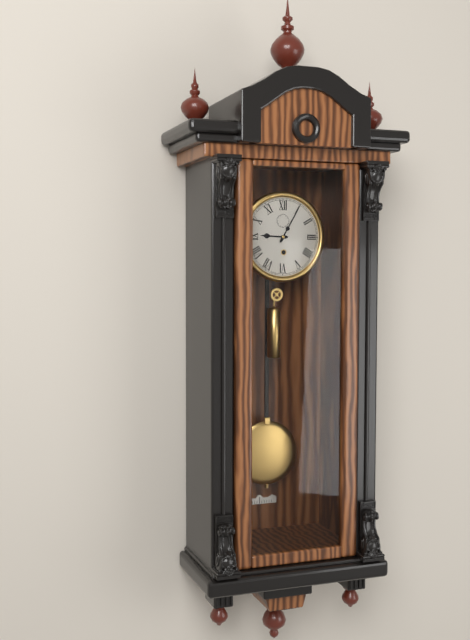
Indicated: **9:05**
